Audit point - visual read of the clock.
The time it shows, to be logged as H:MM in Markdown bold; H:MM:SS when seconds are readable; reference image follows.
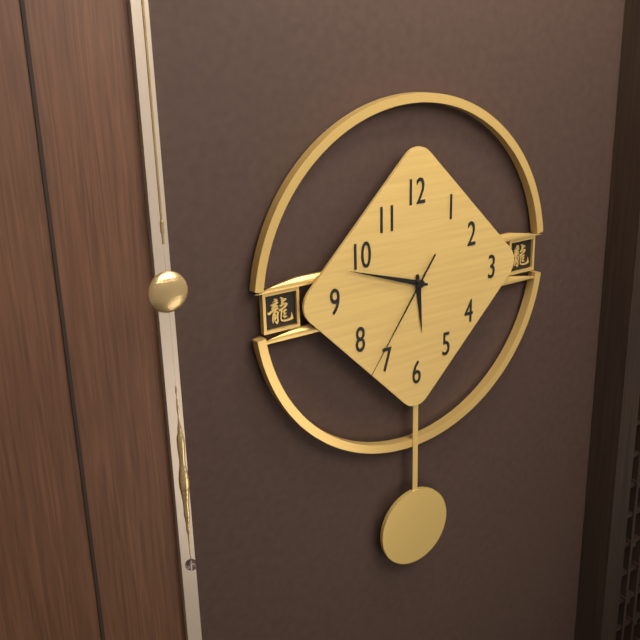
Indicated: **5:48:36**
